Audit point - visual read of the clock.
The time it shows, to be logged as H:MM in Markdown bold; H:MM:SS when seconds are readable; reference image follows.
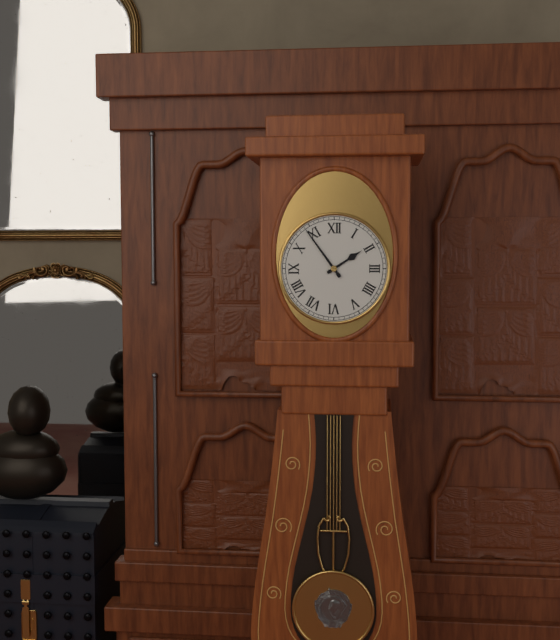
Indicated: **1:54**
